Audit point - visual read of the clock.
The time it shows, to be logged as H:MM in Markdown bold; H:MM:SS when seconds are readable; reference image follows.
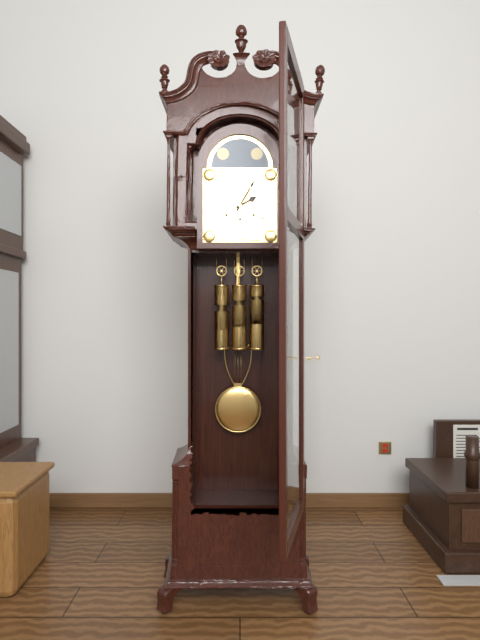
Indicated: **2:05**
